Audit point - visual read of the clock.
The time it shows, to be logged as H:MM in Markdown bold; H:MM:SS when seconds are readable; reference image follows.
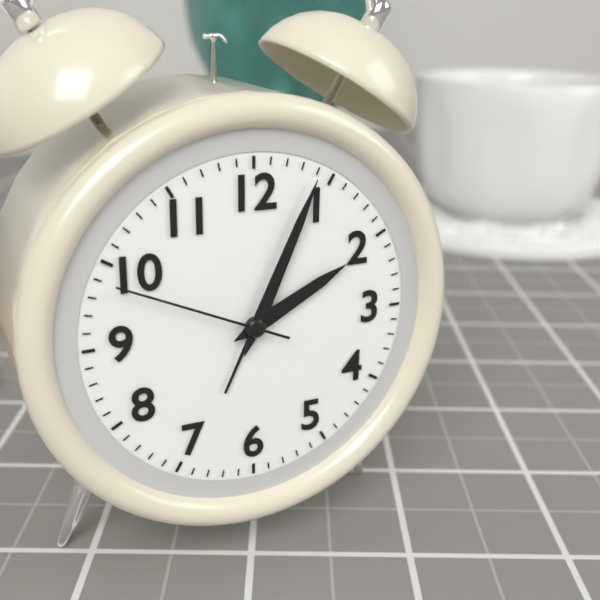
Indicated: **2:04:49**
